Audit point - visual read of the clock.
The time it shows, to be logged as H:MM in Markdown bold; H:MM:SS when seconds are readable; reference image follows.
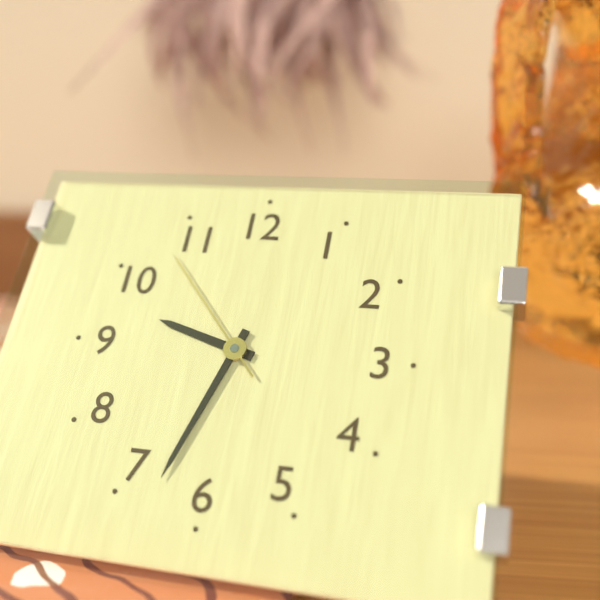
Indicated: **9:33:53**
